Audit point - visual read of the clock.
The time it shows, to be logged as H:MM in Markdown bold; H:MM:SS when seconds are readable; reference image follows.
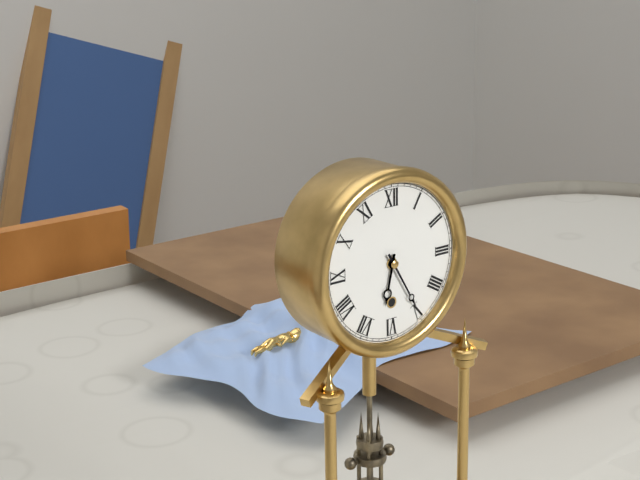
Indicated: **6:25**
